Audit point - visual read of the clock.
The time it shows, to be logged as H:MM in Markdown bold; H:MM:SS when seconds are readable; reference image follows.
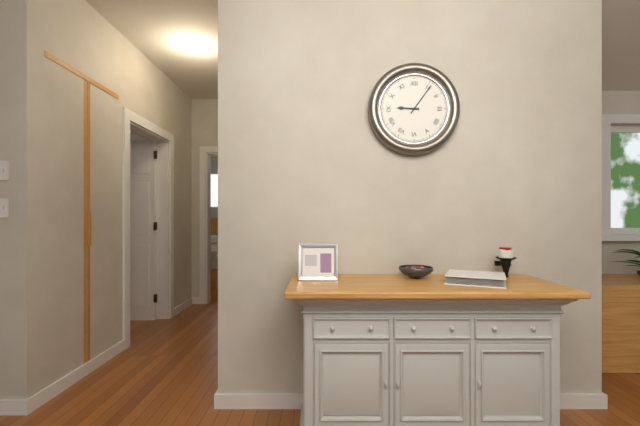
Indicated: **9:06**
